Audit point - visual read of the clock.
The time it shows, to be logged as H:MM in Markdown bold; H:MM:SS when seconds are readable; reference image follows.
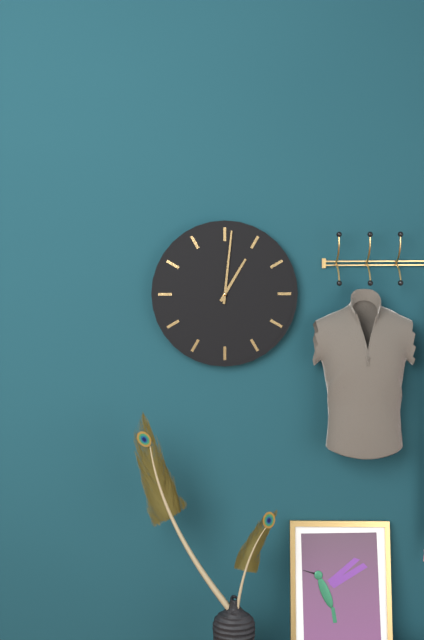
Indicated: **1:01**
